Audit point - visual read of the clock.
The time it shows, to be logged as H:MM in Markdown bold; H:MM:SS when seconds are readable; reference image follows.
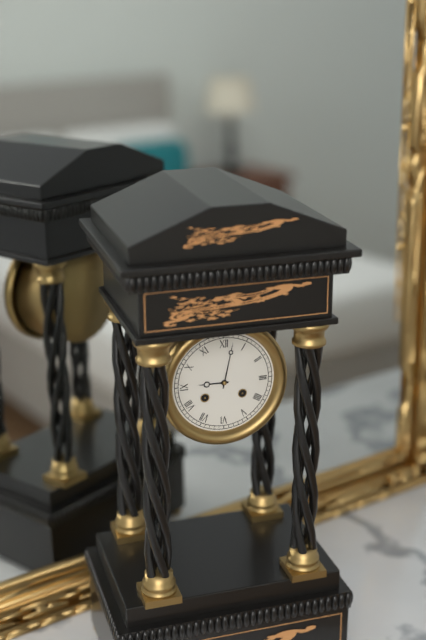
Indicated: **9:02**
